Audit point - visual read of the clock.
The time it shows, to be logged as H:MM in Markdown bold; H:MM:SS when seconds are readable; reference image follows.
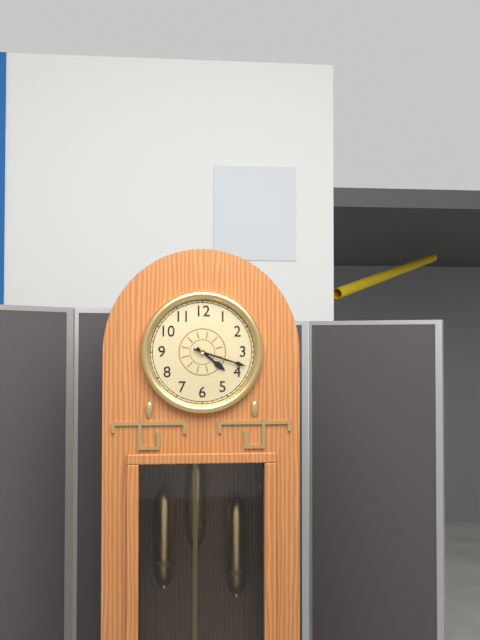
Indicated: **4:18**
